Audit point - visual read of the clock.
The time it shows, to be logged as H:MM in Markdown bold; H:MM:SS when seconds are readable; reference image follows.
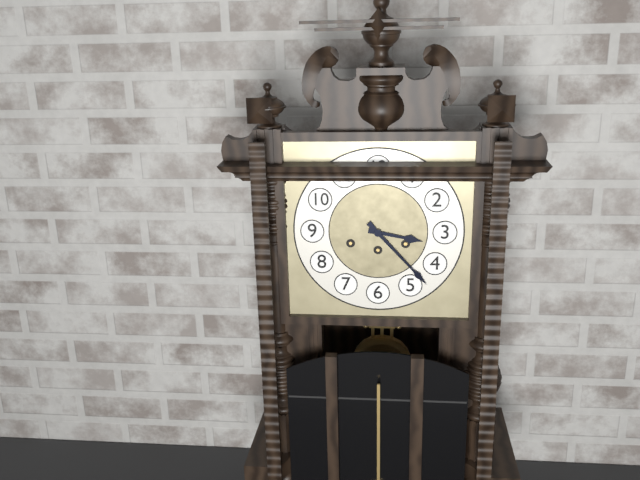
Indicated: **3:23**
